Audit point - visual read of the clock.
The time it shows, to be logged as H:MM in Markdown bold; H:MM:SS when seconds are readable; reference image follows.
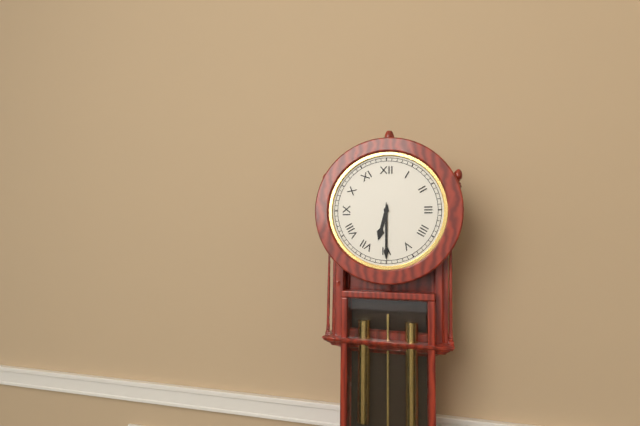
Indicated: **6:30**
